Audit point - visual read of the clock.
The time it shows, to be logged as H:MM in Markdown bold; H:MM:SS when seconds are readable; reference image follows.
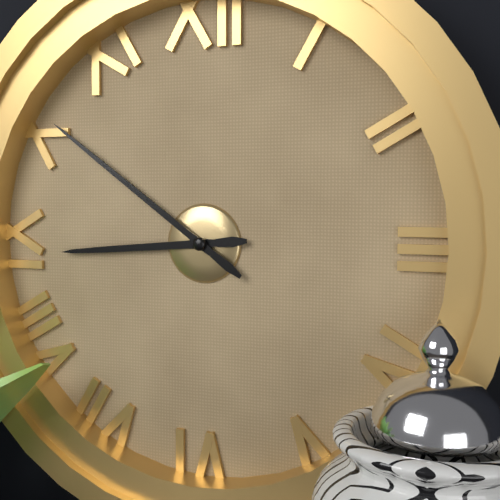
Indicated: **8:51**
